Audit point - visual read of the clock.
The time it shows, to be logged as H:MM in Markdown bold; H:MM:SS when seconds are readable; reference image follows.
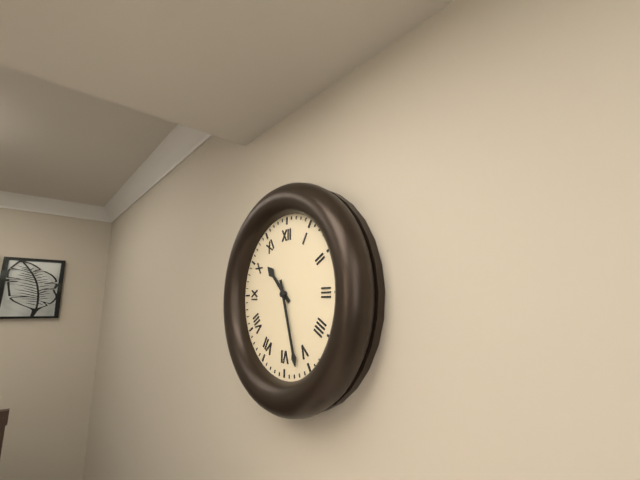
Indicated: **10:27**
